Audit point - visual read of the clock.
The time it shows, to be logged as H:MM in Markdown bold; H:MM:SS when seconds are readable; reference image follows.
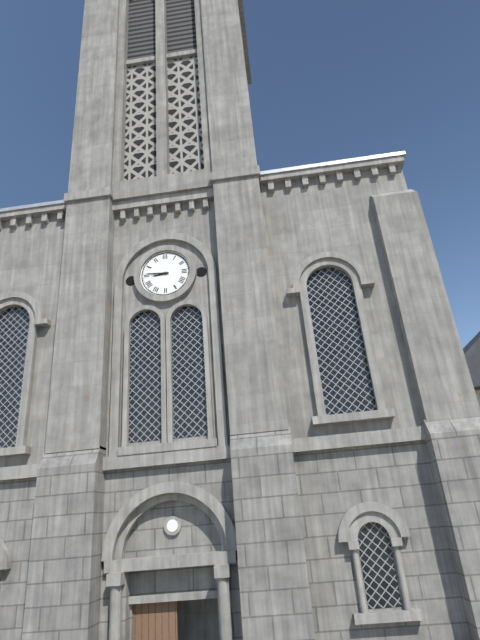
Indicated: **8:46**
